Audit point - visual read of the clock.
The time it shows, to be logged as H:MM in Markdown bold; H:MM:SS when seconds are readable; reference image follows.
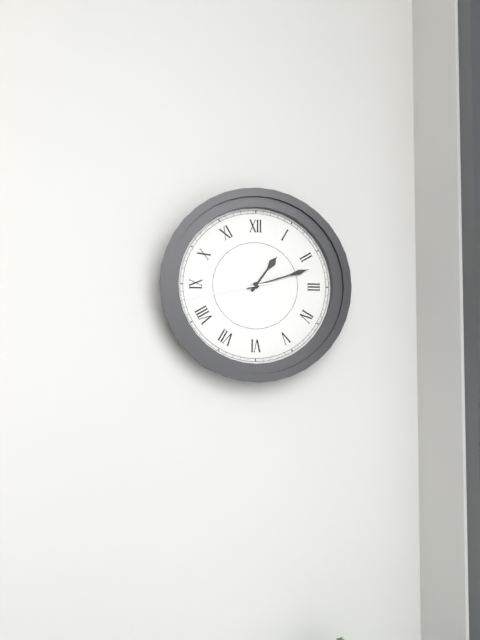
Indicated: **1:12:43**
